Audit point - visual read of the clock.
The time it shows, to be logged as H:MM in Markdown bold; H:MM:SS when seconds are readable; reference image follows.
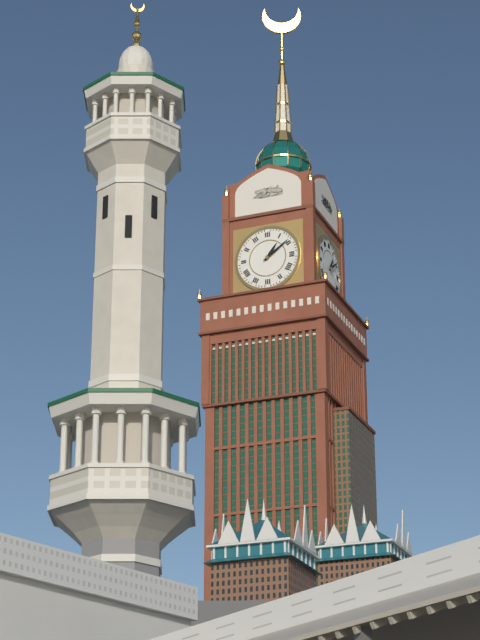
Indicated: **1:09**
